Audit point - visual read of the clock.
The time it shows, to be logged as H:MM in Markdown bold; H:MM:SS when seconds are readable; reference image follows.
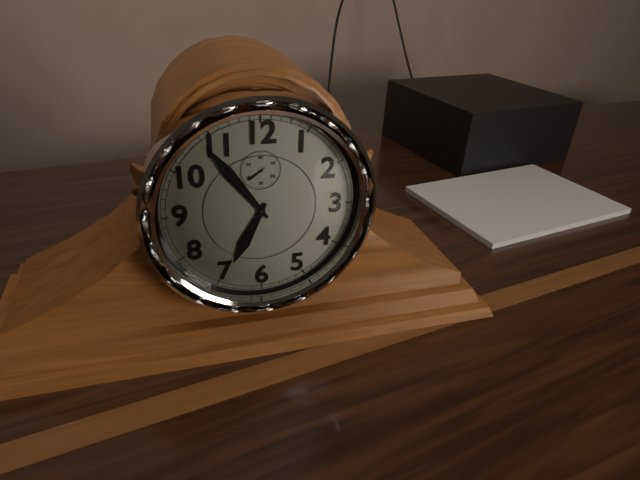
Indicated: **6:54**
